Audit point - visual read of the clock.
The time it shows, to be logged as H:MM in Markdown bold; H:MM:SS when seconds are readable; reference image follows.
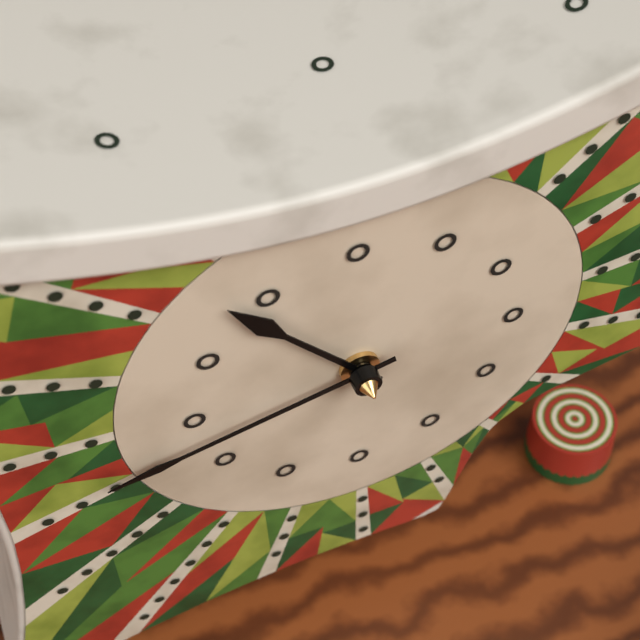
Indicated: **10:43**
